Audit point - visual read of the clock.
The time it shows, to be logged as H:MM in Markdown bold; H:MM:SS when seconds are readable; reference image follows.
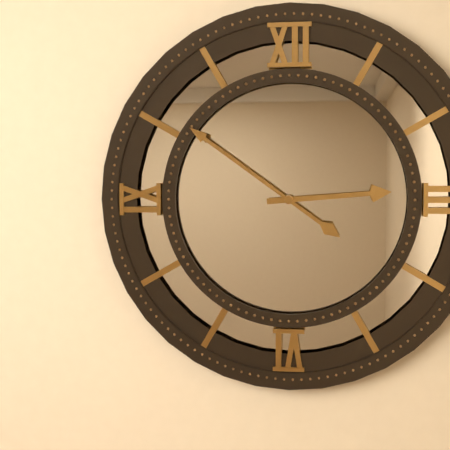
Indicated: **2:51**
